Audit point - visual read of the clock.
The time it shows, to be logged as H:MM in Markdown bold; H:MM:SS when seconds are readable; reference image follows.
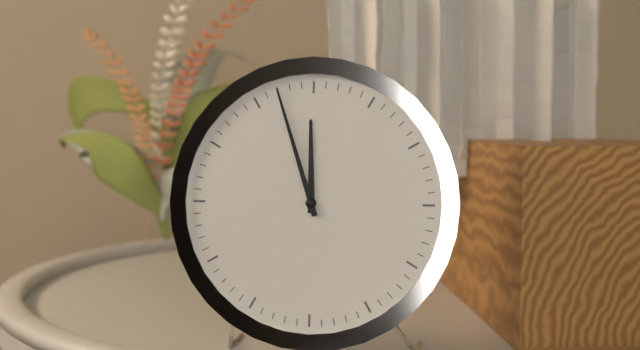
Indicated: **11:57**
